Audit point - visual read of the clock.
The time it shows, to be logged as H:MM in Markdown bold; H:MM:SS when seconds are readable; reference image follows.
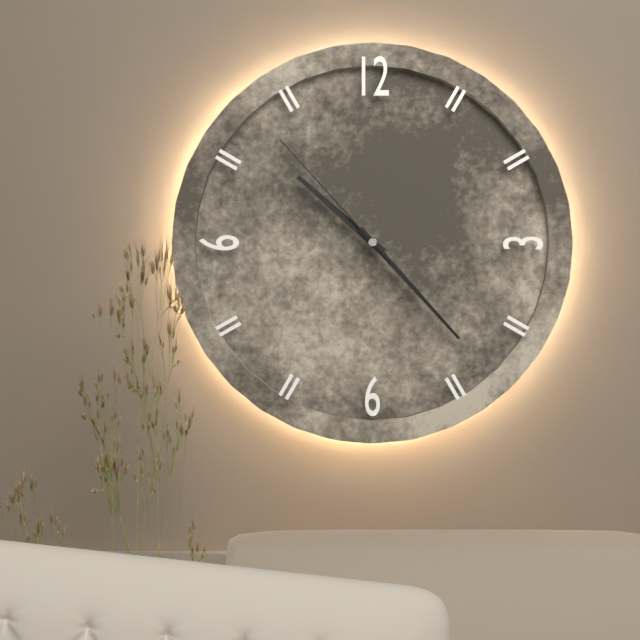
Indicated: **10:23:53**
